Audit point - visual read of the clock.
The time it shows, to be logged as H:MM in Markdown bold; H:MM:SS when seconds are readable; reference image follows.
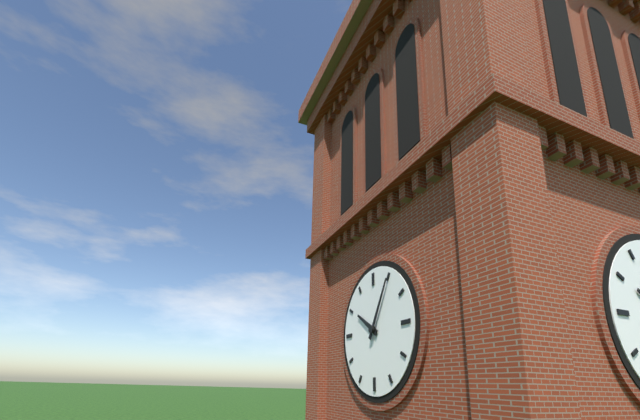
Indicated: **10:05**
